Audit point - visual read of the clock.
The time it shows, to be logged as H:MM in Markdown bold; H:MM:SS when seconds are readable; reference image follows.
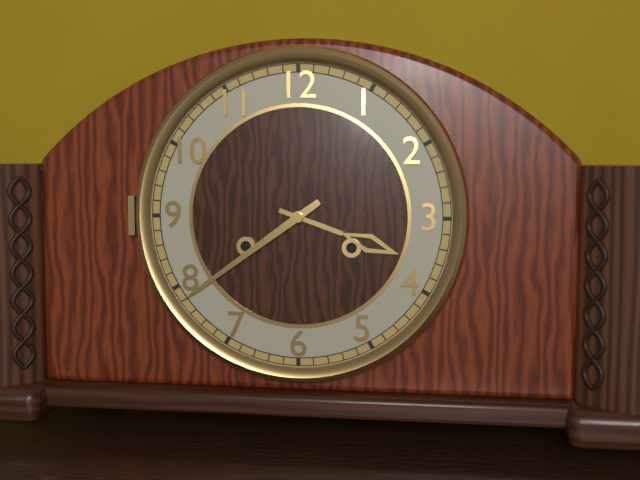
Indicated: **3:39**
